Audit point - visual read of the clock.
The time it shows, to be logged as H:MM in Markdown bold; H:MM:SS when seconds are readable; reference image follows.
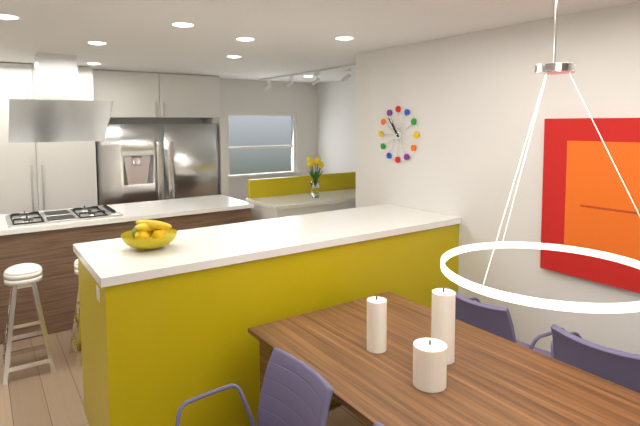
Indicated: **10:54**
